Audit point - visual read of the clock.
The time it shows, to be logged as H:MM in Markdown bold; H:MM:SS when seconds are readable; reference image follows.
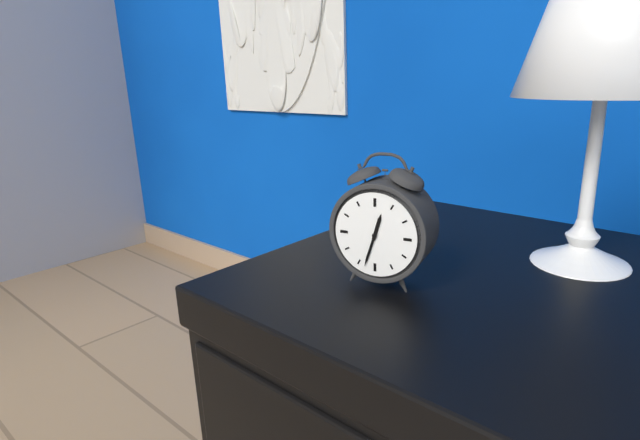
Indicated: **12:33**
